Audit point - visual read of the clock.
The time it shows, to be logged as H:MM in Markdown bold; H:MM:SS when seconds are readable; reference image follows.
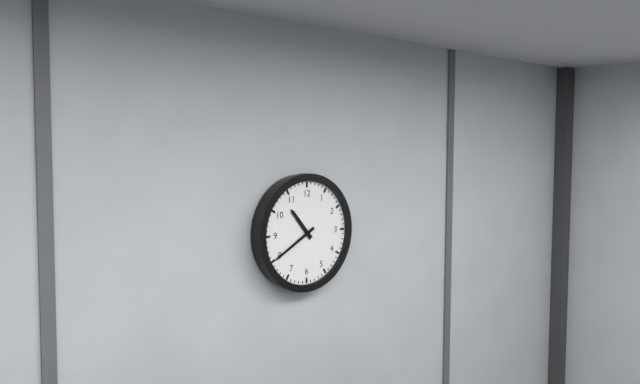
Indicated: **10:40**
